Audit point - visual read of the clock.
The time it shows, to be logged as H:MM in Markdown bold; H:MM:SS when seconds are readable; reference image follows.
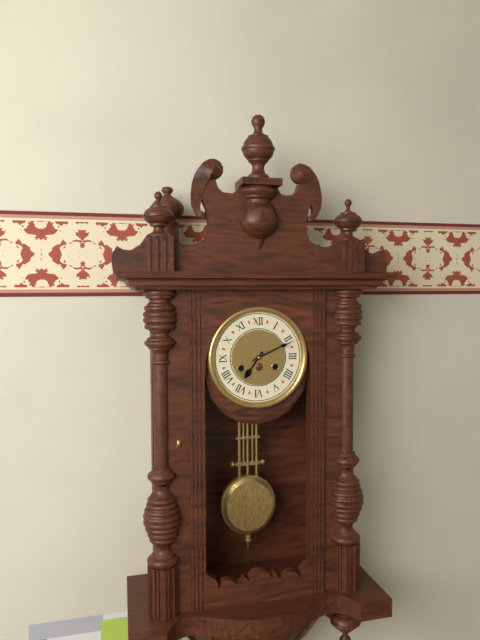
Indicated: **7:11**
